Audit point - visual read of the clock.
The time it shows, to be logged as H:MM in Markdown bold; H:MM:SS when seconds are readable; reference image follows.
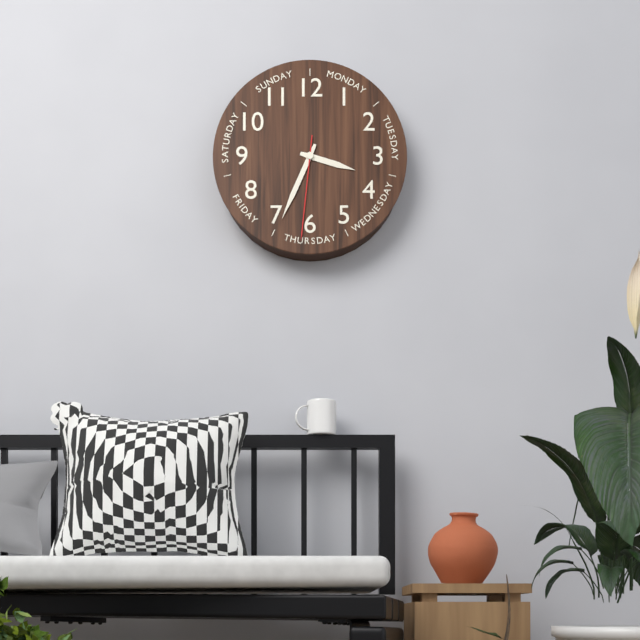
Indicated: **3:34:31**
